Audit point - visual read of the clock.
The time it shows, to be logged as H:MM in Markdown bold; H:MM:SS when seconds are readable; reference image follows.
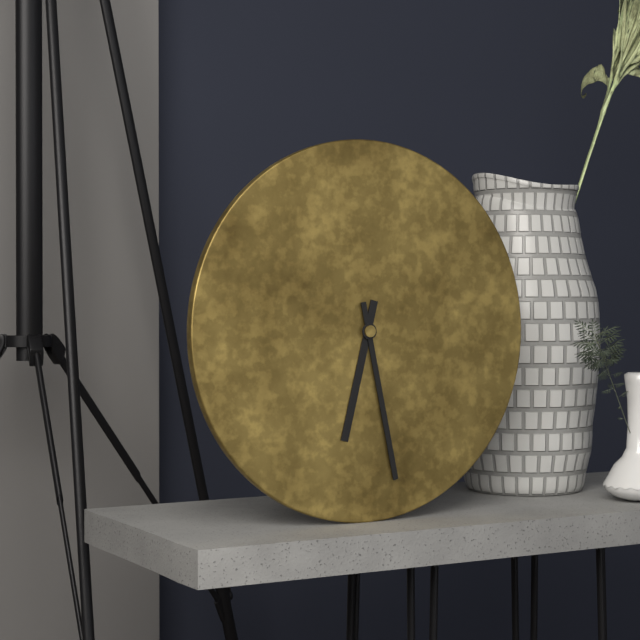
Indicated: **6:28**
